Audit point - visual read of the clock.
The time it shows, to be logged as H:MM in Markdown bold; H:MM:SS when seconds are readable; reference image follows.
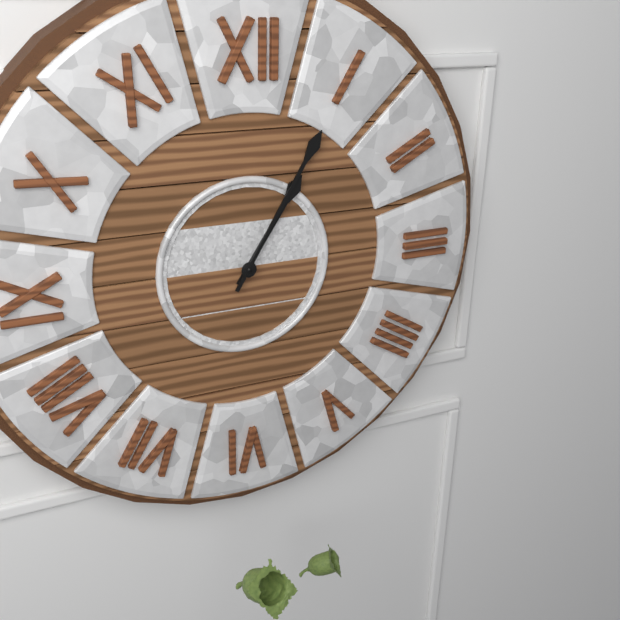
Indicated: **1:05**
